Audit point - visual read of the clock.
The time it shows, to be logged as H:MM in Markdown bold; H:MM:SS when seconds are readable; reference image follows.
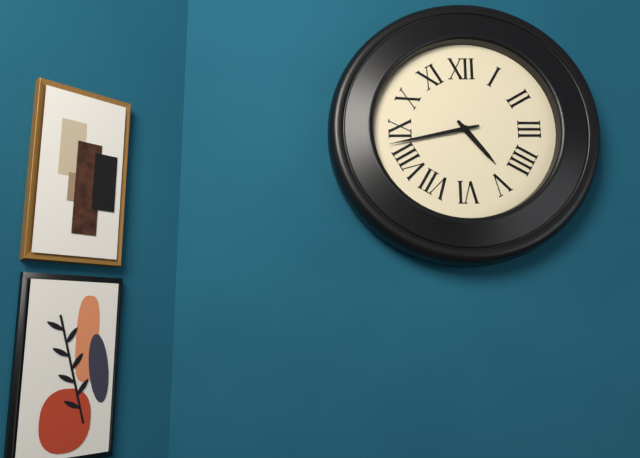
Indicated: **4:43**
